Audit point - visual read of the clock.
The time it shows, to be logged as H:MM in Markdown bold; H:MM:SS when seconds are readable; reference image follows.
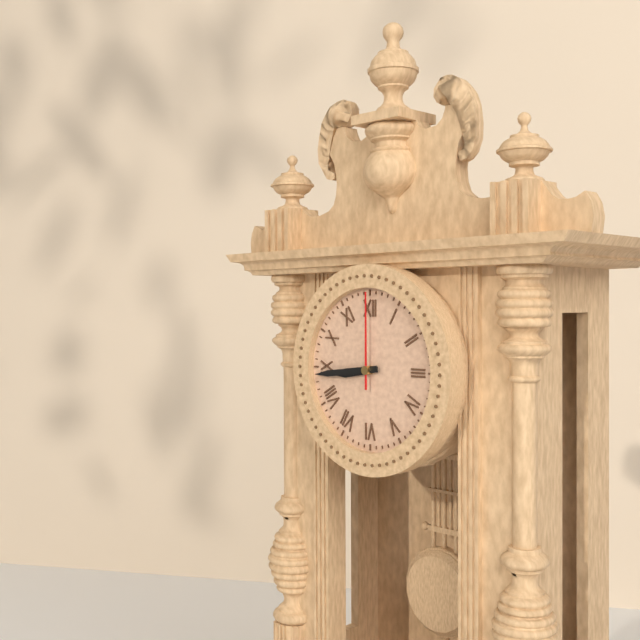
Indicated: **8:44:00**
